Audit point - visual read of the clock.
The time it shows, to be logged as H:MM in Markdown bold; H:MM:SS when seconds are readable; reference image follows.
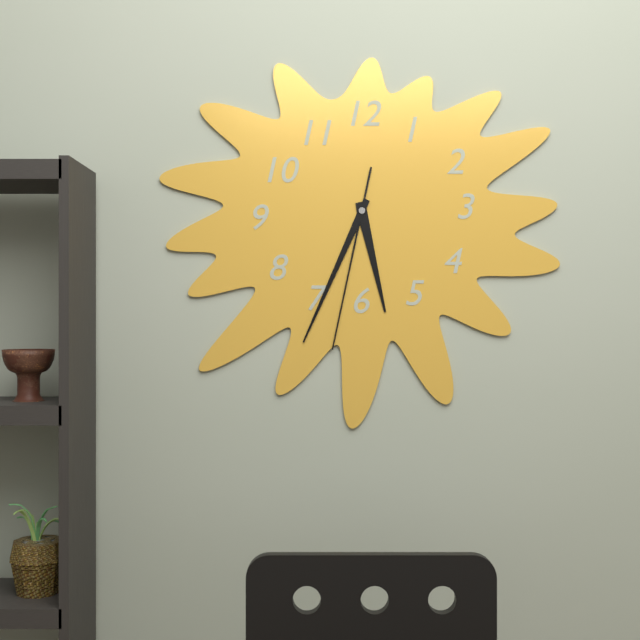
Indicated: **5:34:32**
